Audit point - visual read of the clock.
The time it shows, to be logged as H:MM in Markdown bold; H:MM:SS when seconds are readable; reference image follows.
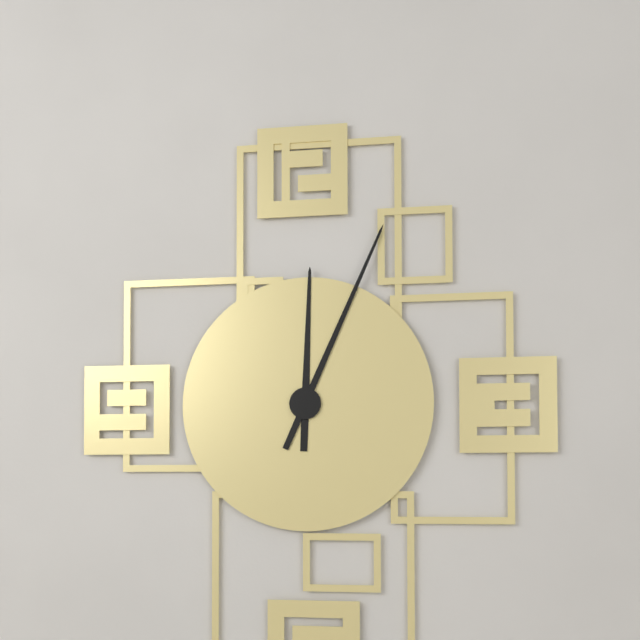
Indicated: **12:04**
